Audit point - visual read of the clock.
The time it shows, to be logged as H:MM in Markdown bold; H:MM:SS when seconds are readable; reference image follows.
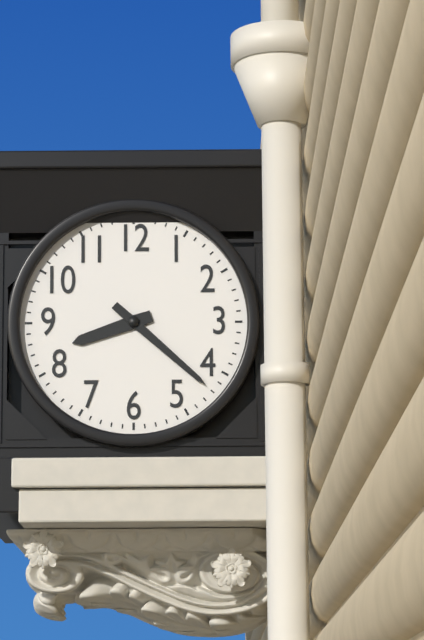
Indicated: **8:22**
